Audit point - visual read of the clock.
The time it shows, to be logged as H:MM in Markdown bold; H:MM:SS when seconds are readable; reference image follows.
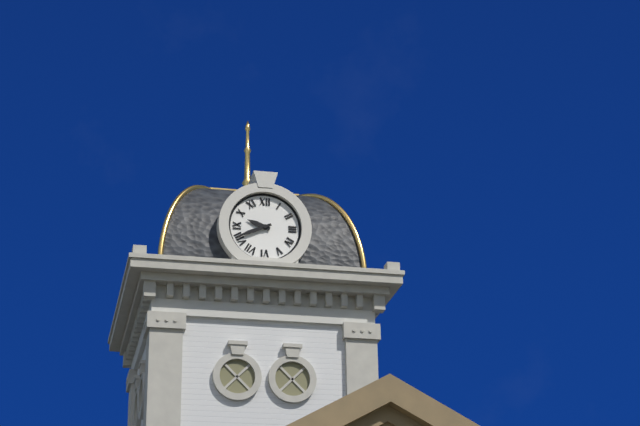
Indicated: **9:41**
